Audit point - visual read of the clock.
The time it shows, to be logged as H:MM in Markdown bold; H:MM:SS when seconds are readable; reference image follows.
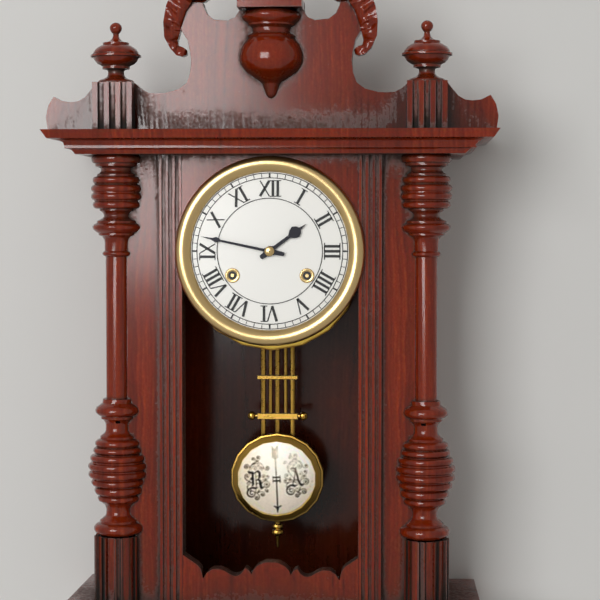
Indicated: **1:47**
